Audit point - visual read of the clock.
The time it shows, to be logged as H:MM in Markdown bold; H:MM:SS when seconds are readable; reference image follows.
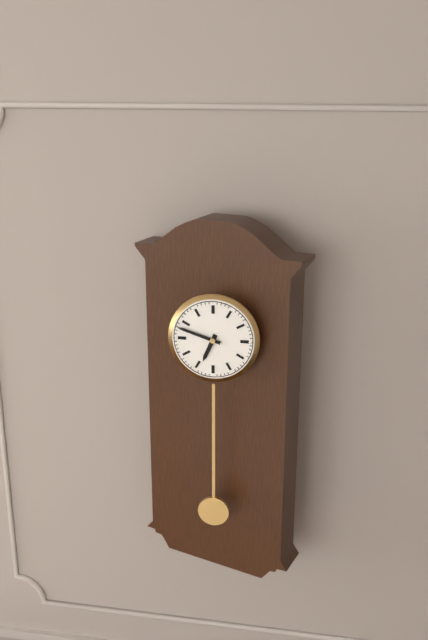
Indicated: **6:48**
